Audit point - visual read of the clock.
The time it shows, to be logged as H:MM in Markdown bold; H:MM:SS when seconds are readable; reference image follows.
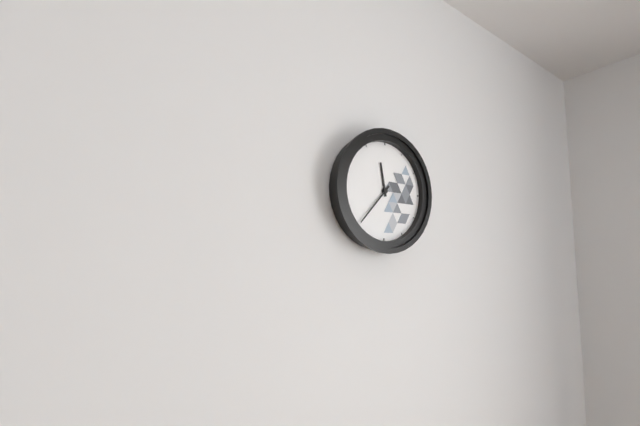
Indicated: **11:37**
